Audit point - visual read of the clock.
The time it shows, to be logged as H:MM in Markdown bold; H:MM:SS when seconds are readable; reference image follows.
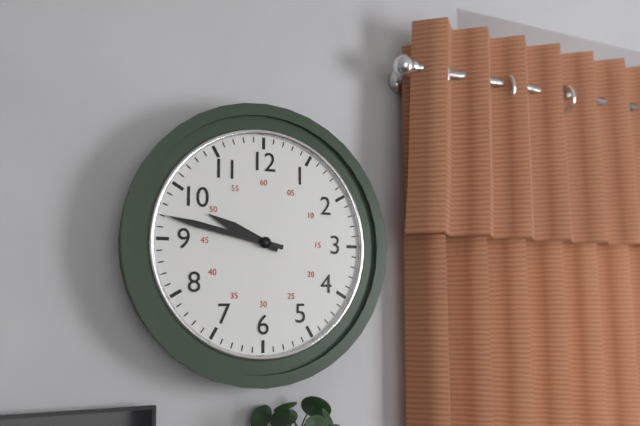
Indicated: **9:47**
